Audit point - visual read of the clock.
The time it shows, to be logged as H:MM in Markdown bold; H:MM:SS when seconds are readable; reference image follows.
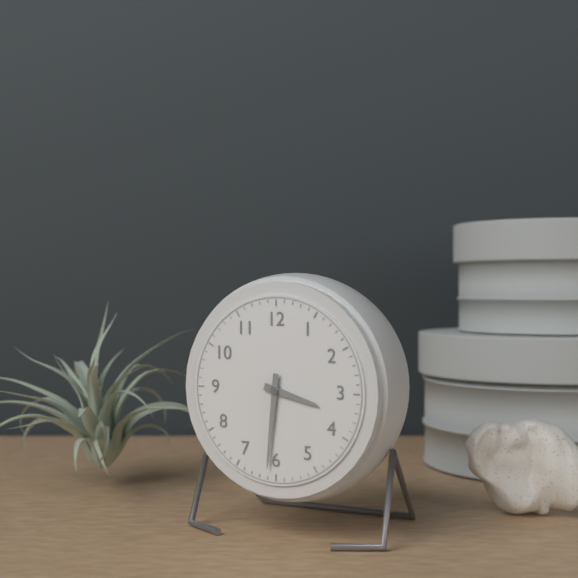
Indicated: **3:31**
